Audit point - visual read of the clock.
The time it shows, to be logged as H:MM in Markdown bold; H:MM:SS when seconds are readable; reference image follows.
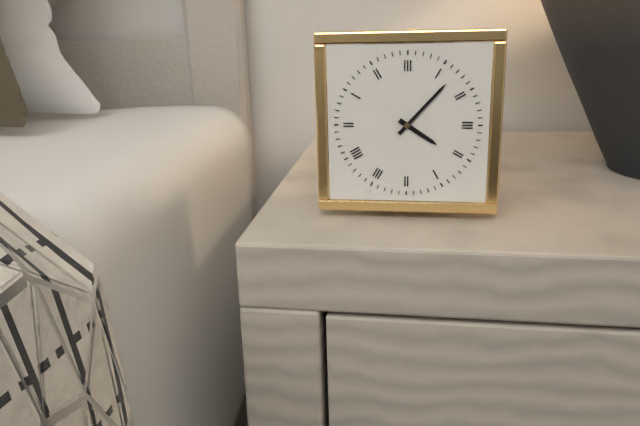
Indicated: **4:07**
